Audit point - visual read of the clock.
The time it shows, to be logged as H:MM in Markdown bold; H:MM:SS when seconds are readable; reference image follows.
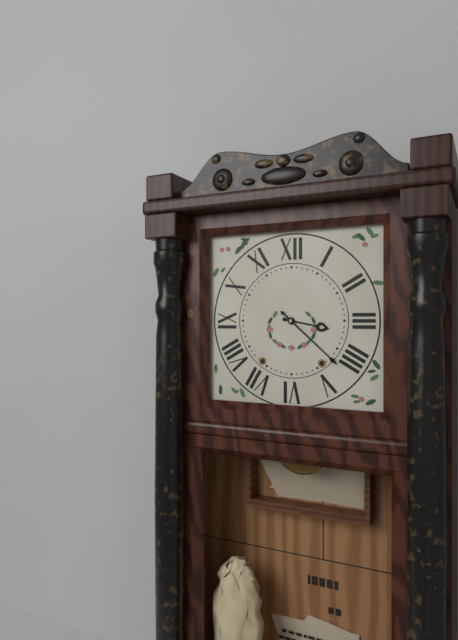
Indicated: **3:22**
